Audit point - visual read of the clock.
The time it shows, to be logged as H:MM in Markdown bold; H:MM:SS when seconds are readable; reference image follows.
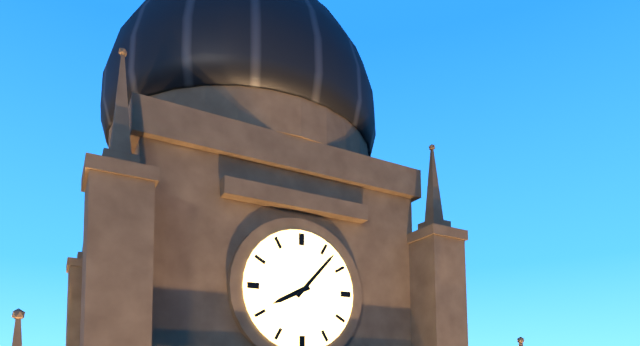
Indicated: **8:07**
